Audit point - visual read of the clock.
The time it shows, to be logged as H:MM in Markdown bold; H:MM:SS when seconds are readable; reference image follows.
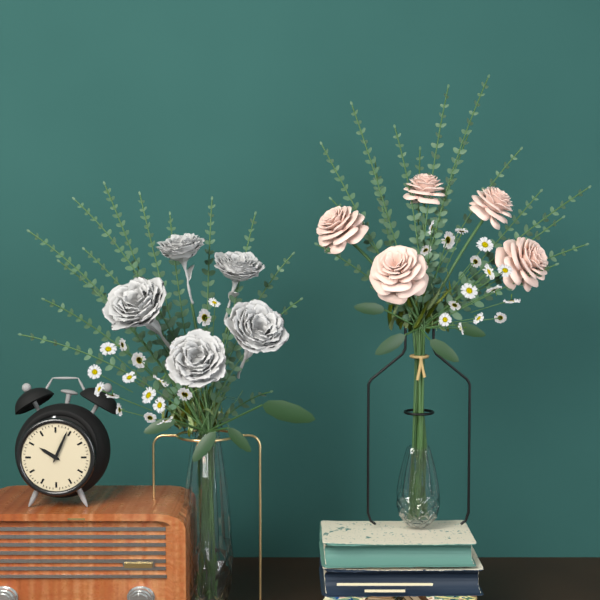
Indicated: **10:04**
